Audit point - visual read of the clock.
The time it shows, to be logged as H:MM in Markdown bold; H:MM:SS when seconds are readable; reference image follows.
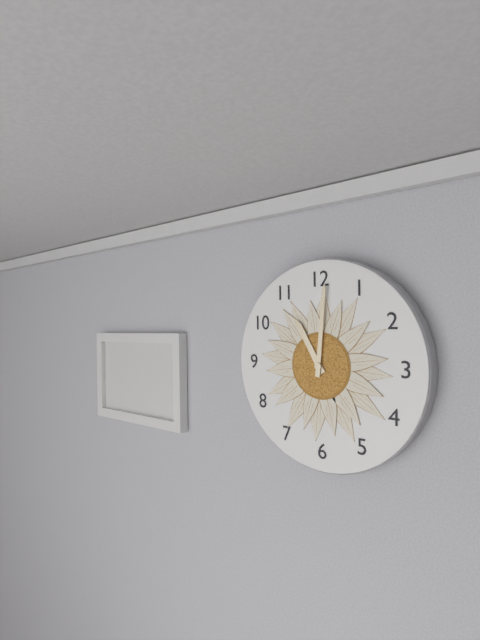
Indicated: **11:01**
